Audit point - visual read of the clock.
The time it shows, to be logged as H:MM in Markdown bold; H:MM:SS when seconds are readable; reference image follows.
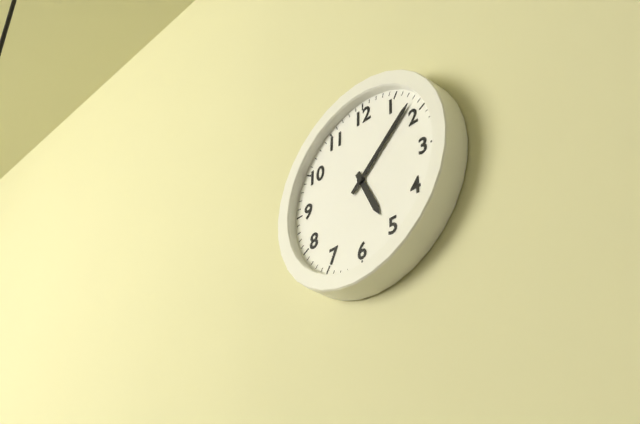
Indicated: **5:08**
